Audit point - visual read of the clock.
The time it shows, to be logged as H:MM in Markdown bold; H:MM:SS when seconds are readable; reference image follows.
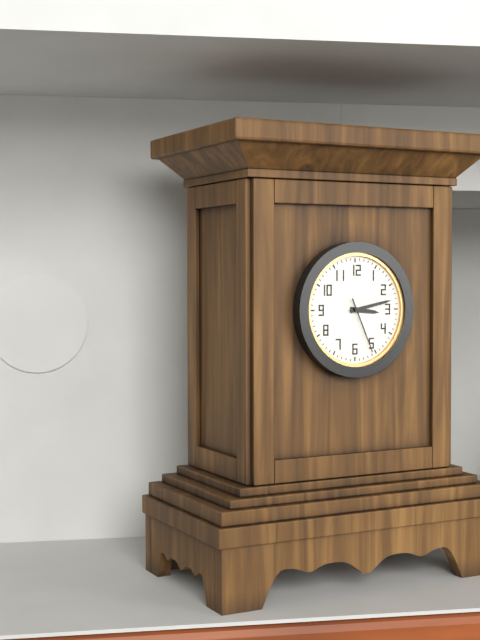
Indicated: **3:13:26**
